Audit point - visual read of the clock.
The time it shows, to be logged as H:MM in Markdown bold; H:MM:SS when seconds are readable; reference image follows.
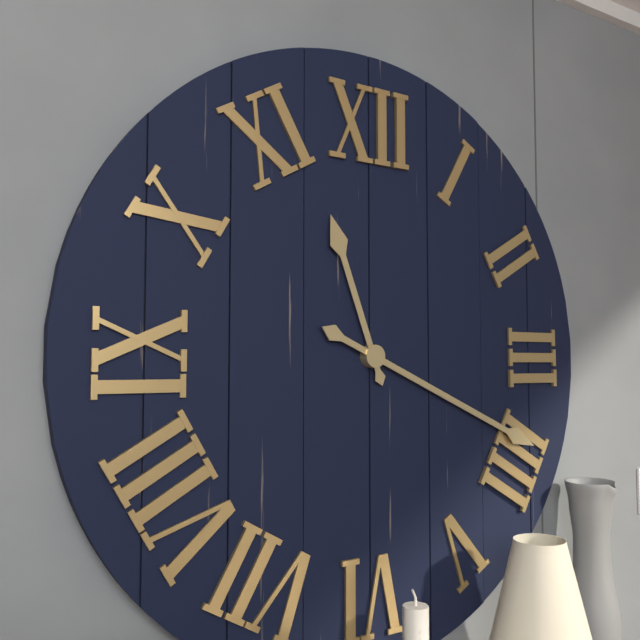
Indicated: **11:19**
